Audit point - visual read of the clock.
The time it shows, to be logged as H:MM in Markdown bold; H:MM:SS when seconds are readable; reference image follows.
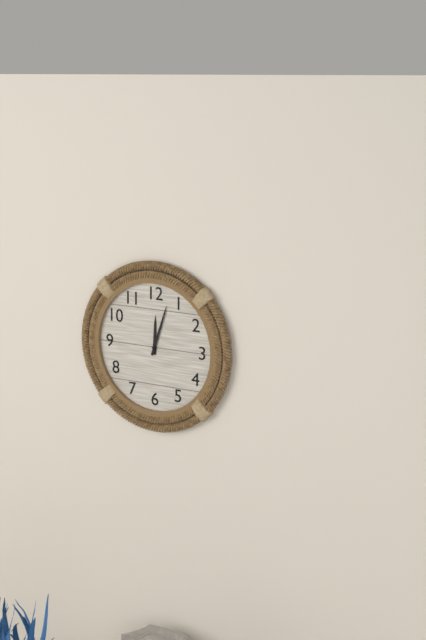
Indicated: **12:03**
